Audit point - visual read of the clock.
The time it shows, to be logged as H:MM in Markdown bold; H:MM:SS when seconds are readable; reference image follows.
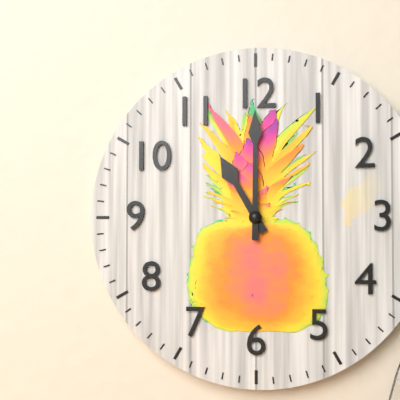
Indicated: **11:00**
